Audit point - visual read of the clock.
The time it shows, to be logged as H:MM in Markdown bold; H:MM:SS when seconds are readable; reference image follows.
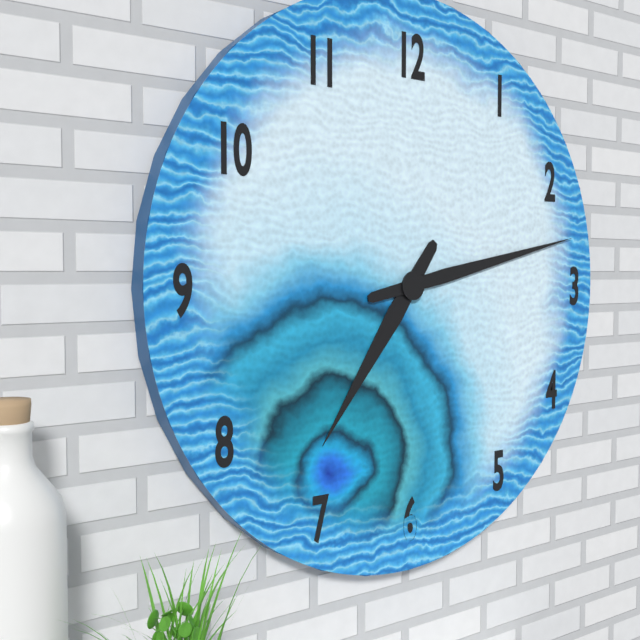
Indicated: **7:13**
